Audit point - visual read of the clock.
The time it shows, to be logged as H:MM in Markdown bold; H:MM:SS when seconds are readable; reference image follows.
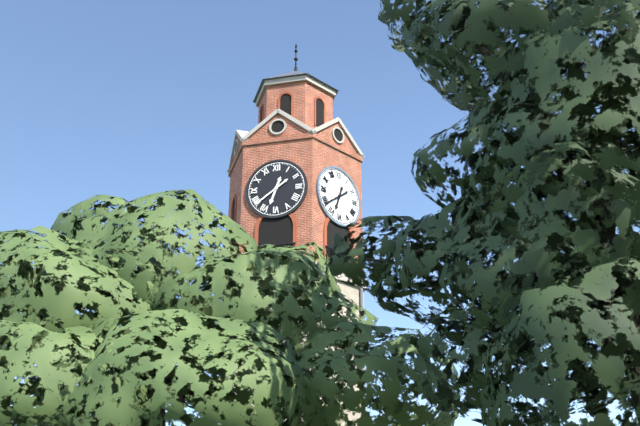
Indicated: **6:39**
